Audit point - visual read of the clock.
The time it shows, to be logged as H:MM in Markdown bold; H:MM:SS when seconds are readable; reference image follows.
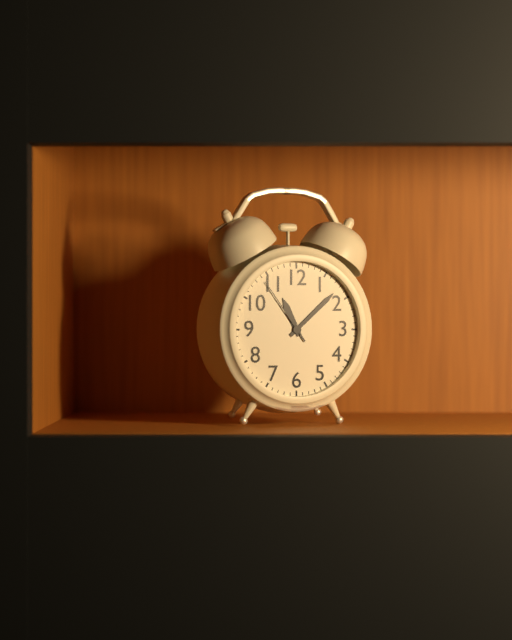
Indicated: **11:08:54**
